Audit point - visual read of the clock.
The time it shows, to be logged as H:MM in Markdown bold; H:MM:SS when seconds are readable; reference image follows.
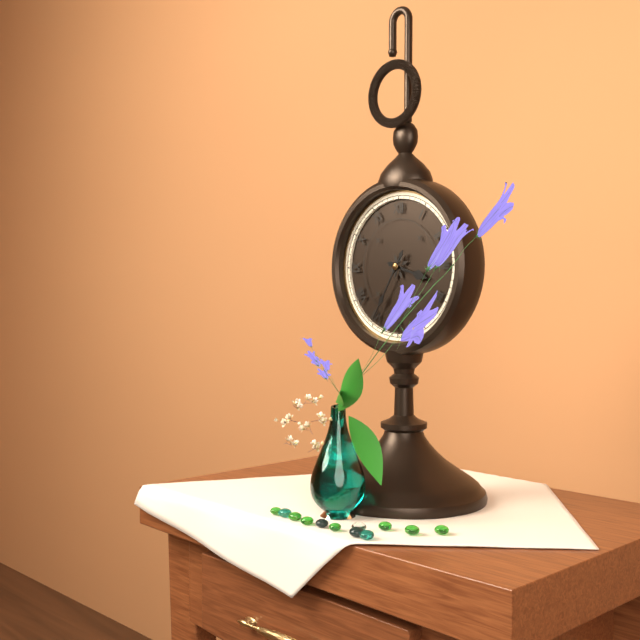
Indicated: **3:35**
